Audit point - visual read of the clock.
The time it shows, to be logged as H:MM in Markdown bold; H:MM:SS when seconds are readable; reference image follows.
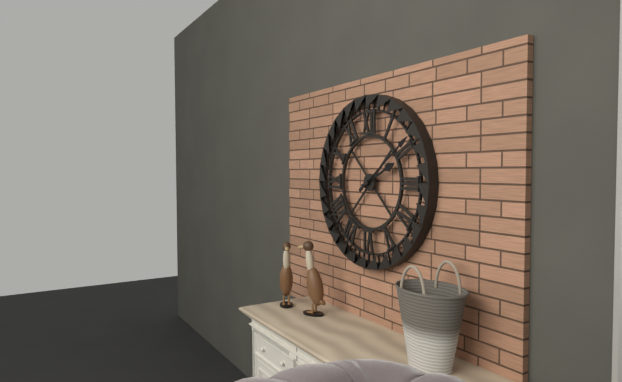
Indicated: **2:09**
